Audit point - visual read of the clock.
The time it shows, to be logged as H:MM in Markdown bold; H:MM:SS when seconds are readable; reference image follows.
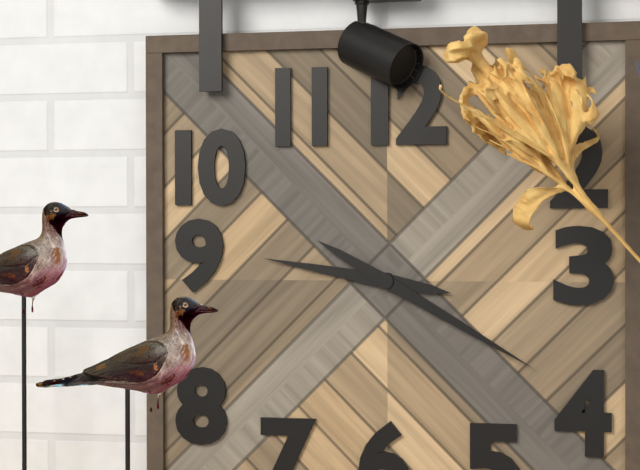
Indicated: **9:20**
